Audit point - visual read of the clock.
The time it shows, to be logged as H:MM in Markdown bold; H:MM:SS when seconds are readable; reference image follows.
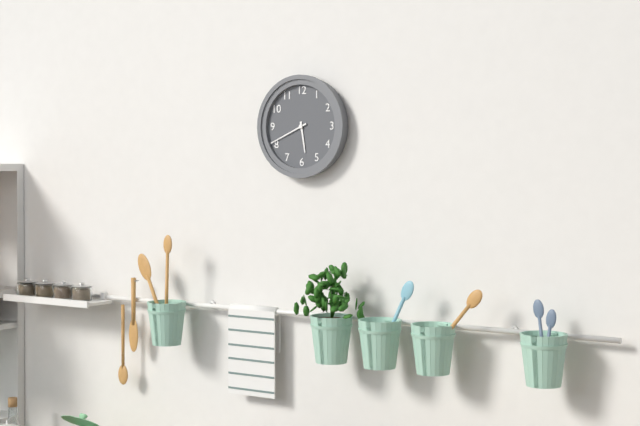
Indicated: **5:41**
